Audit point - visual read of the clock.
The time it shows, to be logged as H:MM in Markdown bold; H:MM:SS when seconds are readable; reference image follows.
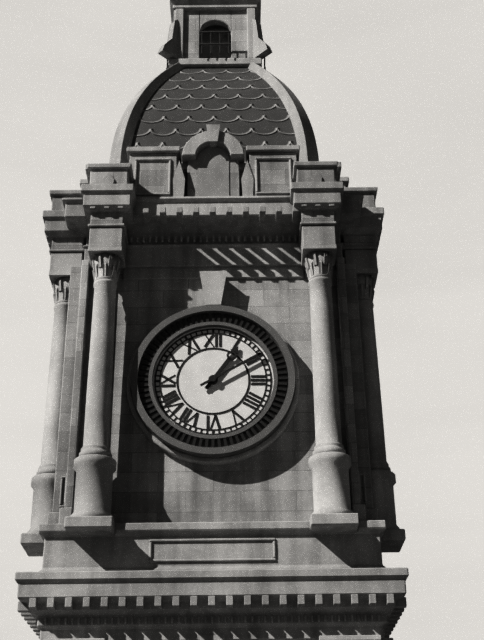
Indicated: **1:10**
